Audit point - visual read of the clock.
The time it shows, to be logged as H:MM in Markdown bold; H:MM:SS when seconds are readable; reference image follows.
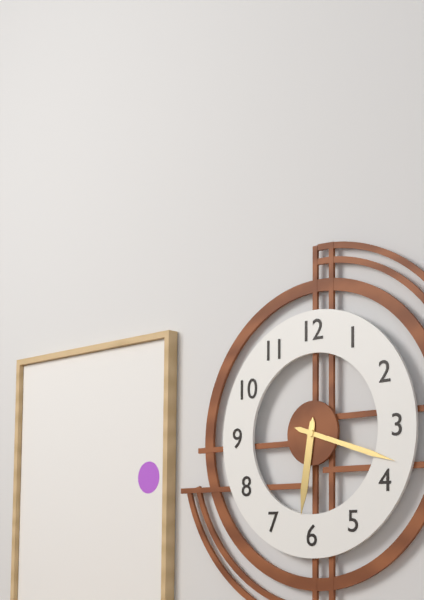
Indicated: **6:18**
